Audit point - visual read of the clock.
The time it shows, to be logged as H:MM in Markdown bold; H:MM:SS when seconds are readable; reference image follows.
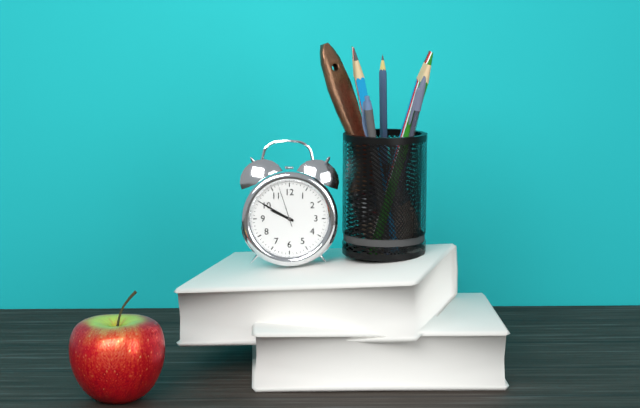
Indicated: **9:50**
